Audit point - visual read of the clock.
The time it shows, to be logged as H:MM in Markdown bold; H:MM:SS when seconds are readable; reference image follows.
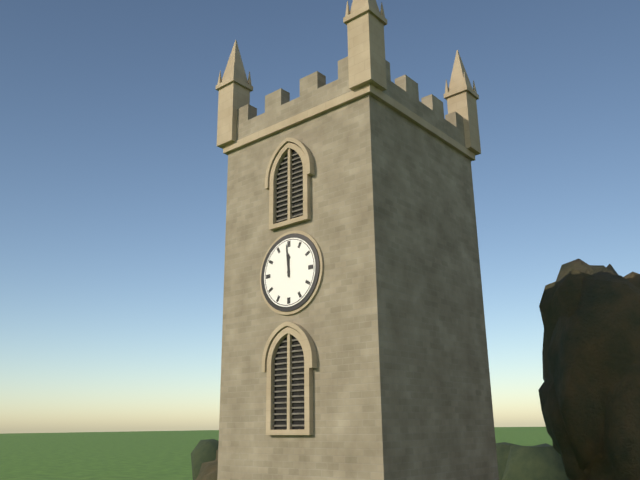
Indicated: **11:59**
